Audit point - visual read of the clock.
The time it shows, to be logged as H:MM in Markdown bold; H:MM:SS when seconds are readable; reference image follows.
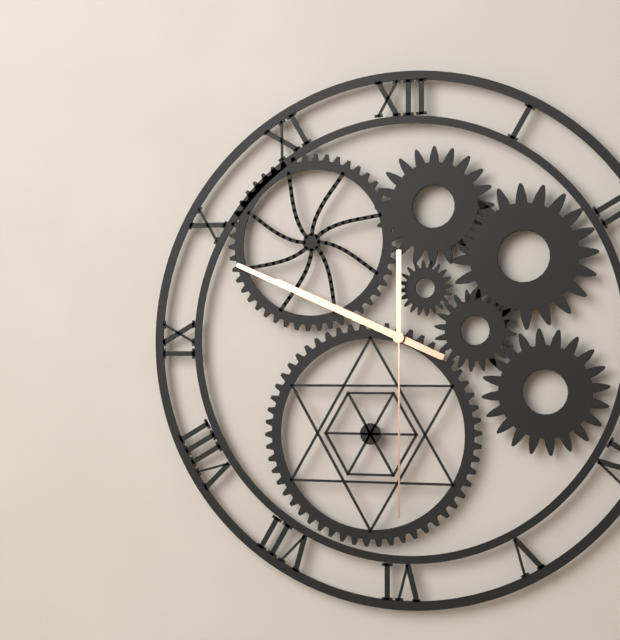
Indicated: **9:49:30**
